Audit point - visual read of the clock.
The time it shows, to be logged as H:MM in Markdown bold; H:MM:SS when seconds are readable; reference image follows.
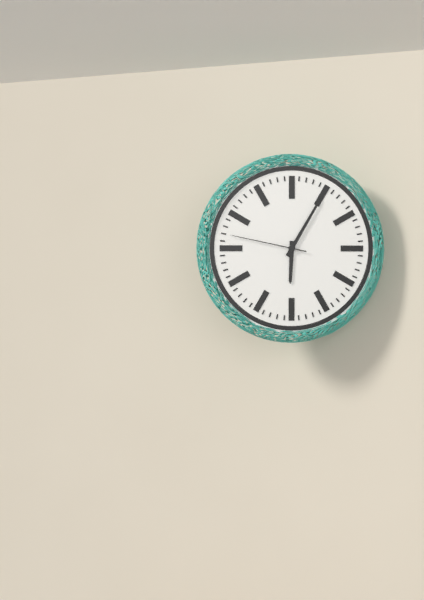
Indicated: **6:05:47**
